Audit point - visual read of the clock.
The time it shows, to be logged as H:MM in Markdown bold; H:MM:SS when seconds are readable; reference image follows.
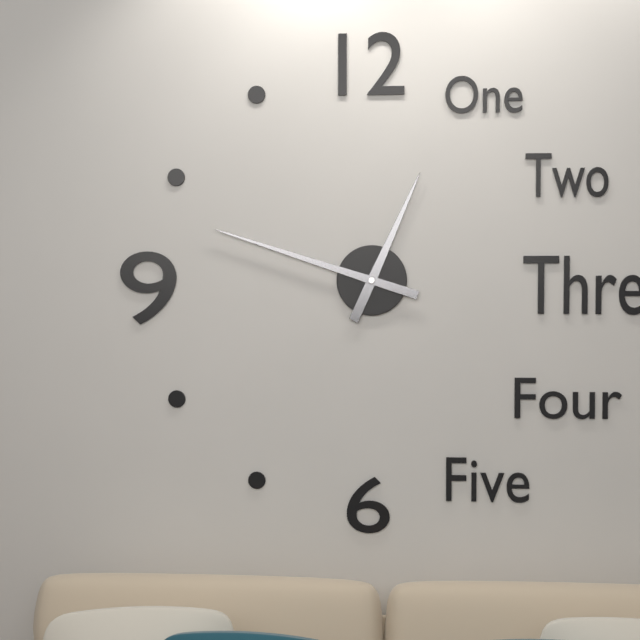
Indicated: **12:48**
